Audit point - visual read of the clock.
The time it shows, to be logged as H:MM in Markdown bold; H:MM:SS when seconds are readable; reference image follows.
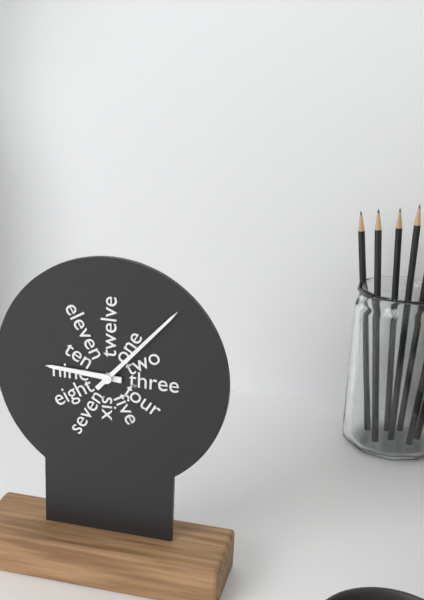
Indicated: **9:07**
